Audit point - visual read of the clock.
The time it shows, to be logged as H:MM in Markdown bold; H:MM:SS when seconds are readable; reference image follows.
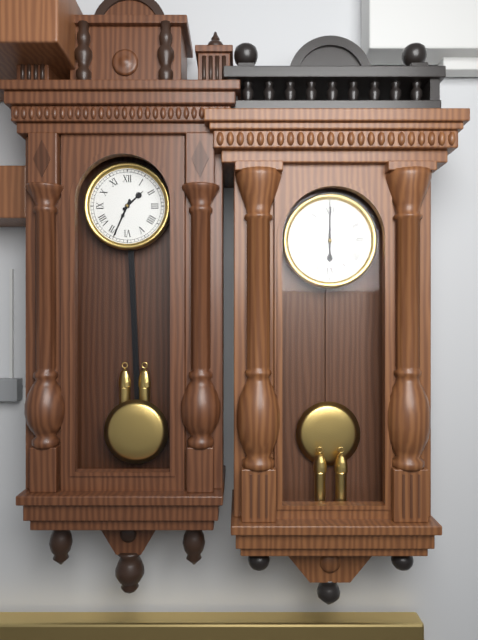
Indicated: **1:34**
